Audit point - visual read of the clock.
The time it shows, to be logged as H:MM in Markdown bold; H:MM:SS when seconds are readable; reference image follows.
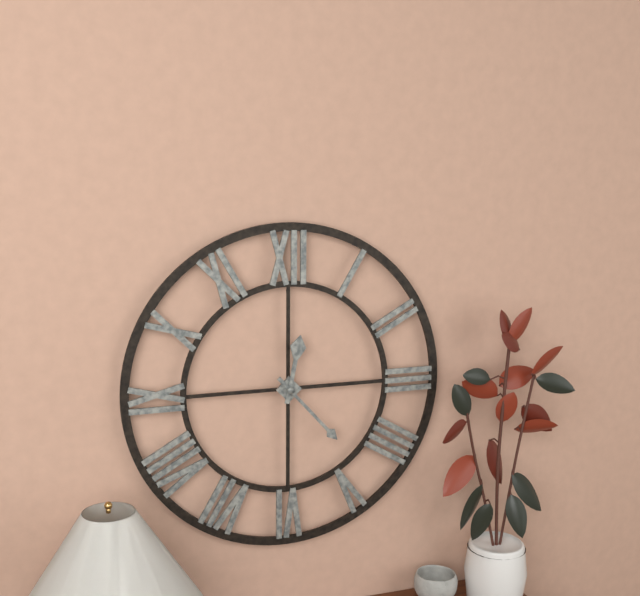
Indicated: **12:23**
